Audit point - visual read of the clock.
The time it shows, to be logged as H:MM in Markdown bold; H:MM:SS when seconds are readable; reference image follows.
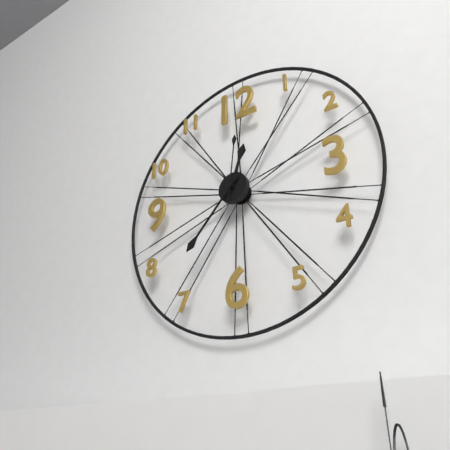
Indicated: **12:37:01**
